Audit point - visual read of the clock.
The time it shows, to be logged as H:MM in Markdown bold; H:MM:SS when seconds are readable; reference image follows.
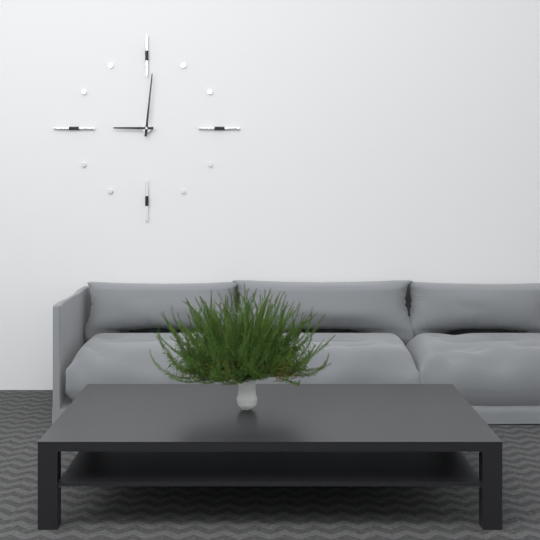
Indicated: **9:01**
